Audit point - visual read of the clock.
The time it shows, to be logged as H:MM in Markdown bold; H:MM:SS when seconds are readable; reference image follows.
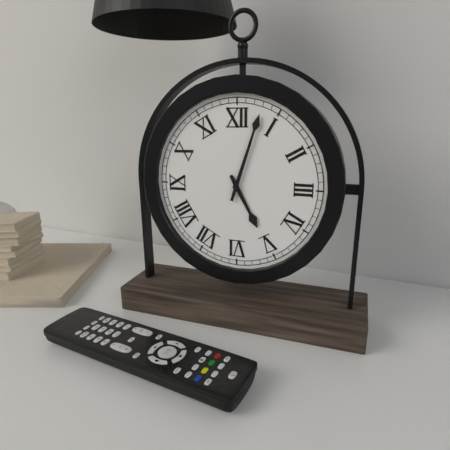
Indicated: **5:03**
